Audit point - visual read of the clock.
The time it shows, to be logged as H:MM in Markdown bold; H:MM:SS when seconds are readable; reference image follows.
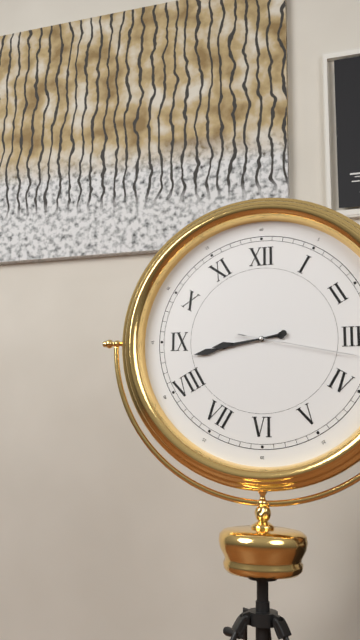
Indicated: **8:43:17**
